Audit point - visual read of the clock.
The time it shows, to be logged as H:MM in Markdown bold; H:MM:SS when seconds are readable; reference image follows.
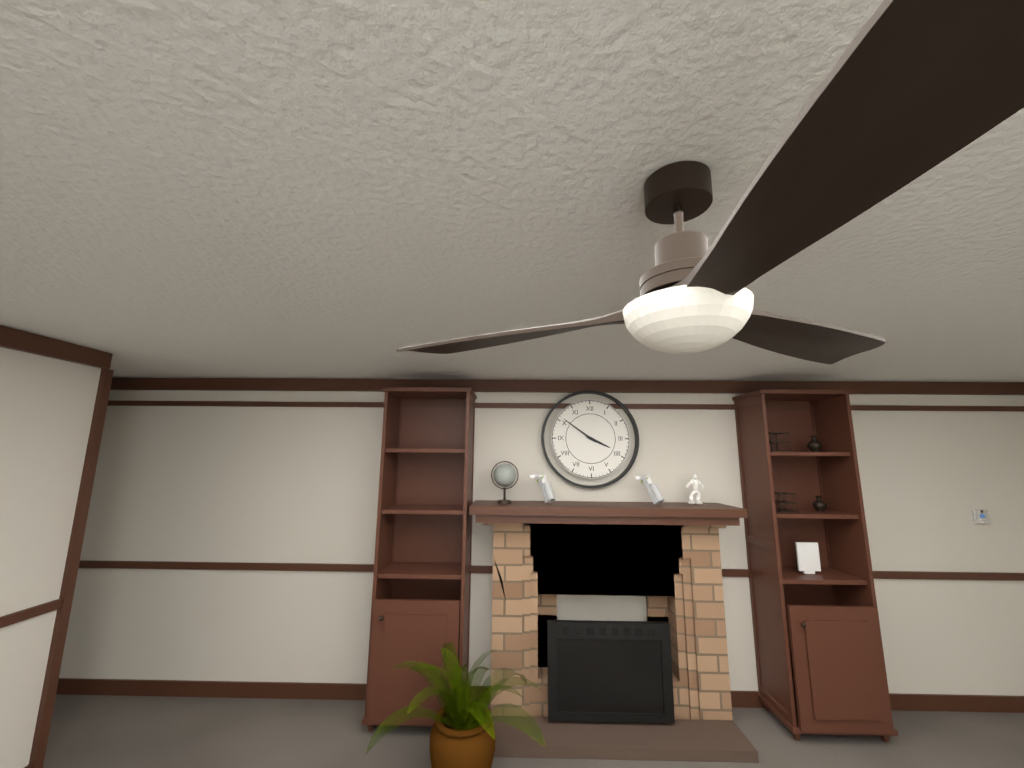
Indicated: **3:51**
